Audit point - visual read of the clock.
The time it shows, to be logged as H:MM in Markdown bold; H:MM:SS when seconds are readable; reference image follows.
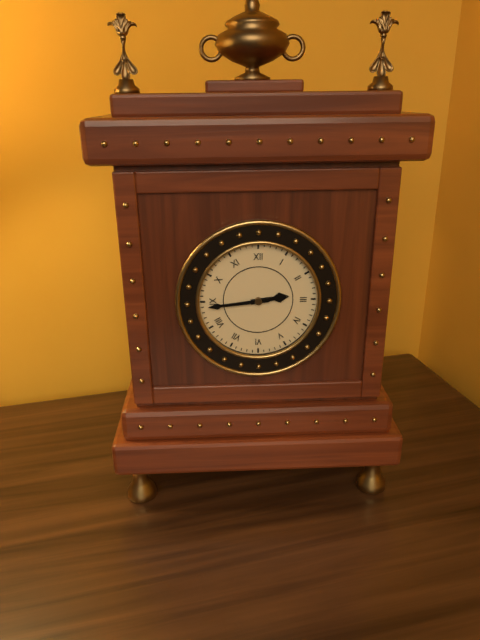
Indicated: **2:44**
